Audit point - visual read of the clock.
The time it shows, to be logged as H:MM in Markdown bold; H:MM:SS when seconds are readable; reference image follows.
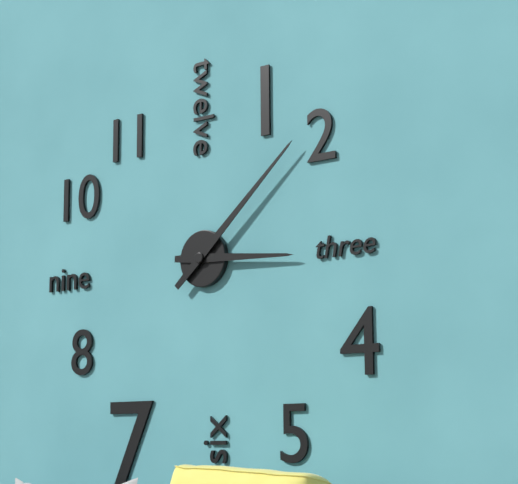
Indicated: **3:08**
